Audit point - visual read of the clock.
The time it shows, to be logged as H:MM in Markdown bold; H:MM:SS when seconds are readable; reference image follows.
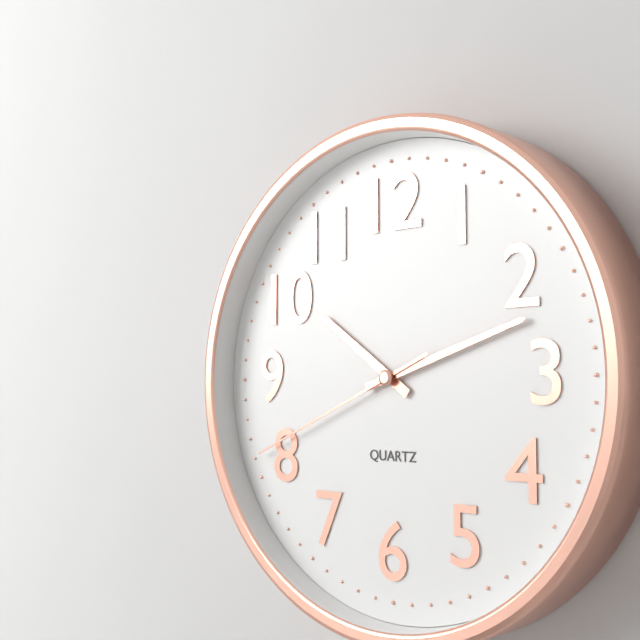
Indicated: **10:12:41**
